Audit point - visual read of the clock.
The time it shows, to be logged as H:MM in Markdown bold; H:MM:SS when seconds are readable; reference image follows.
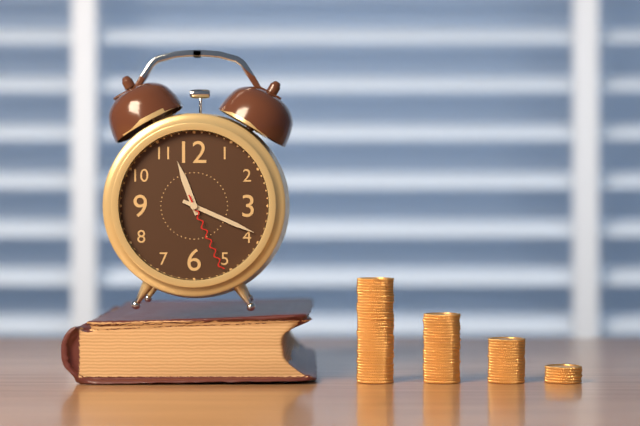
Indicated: **11:19:26**
